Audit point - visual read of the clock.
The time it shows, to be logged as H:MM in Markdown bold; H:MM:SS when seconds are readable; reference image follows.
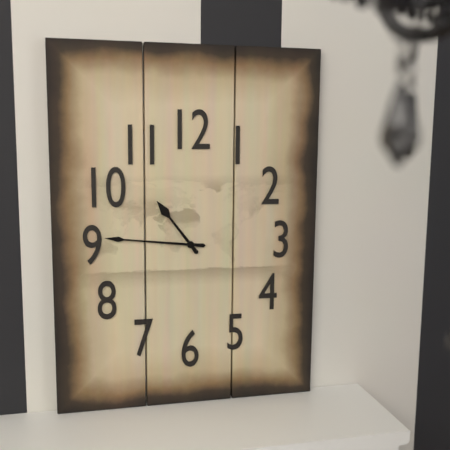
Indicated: **10:46**
